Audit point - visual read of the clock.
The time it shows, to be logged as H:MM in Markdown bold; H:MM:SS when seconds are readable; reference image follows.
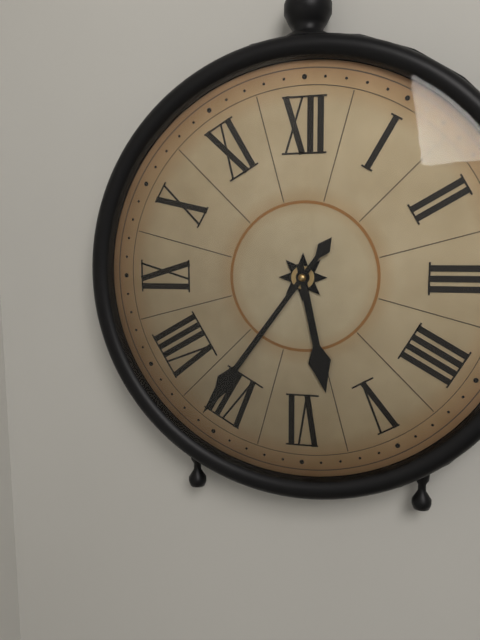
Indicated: **5:36**
